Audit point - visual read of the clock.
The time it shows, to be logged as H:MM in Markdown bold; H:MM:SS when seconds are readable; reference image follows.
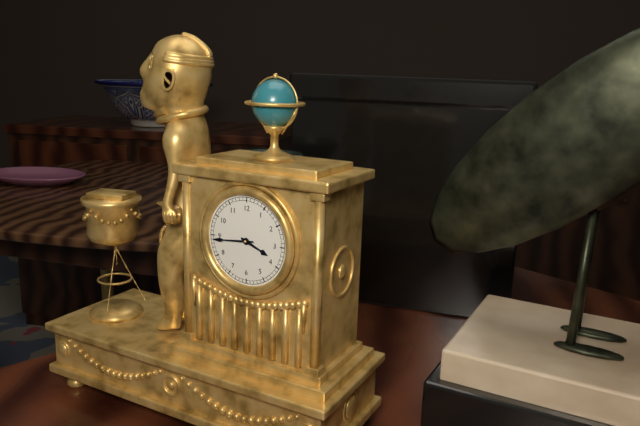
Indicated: **3:44**
